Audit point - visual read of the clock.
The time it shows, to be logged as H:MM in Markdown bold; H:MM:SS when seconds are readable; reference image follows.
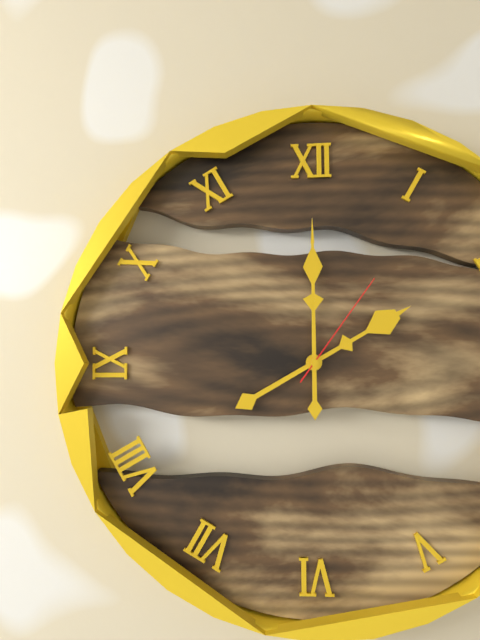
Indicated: **2:00:06**
